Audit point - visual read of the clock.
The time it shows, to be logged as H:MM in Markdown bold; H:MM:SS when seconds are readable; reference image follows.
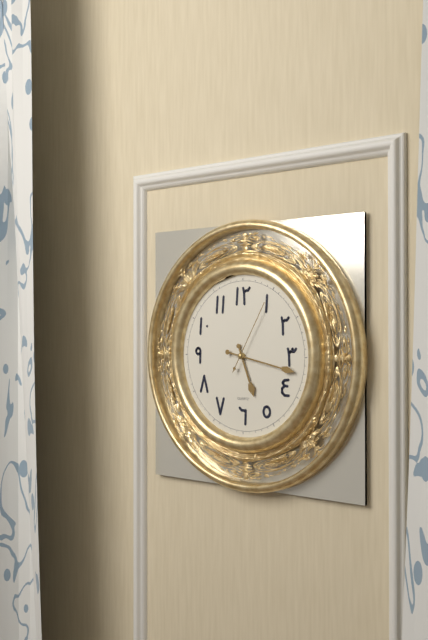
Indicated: **5:17:05**
